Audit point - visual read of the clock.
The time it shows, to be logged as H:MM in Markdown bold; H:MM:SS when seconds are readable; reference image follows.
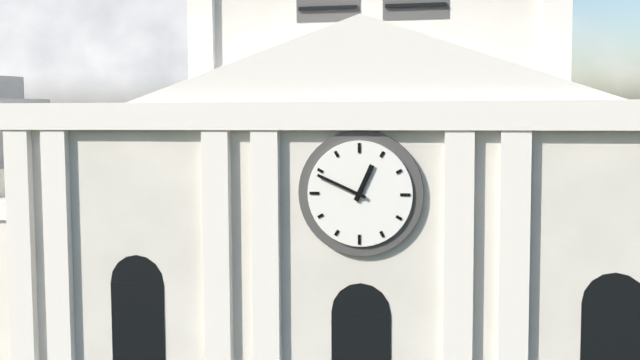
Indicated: **12:49**
